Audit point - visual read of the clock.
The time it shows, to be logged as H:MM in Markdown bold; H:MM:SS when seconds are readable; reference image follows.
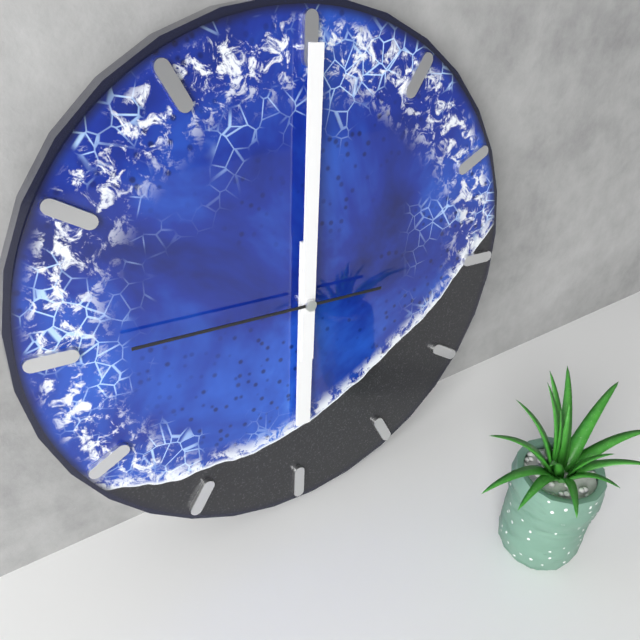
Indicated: **6:00:45**
